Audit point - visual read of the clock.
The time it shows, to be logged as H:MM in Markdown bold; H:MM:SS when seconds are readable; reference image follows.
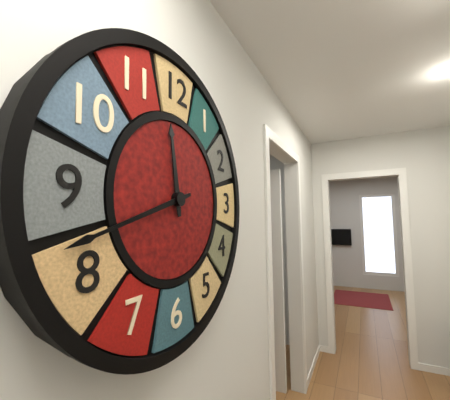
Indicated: **11:42**
